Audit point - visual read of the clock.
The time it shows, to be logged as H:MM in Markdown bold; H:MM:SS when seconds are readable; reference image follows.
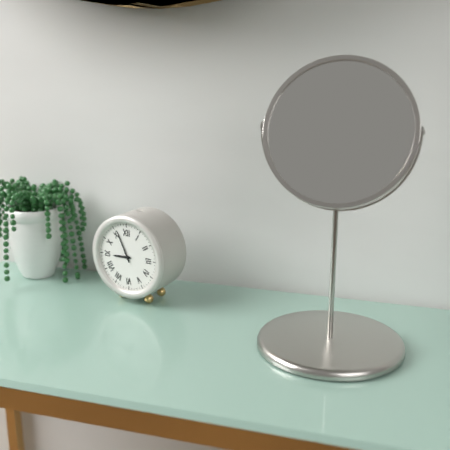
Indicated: **8:56**
